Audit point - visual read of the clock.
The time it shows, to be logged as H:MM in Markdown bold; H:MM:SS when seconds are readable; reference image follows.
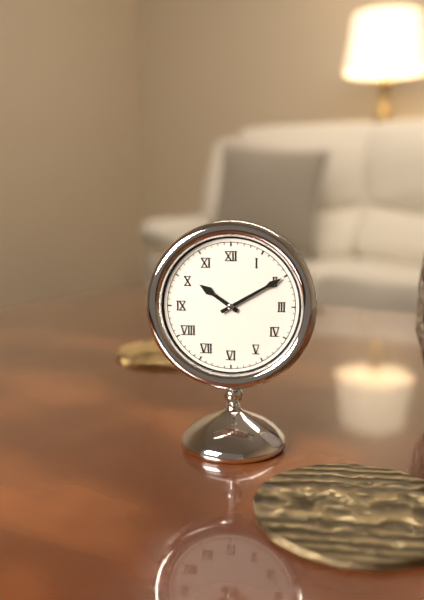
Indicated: **10:10**
